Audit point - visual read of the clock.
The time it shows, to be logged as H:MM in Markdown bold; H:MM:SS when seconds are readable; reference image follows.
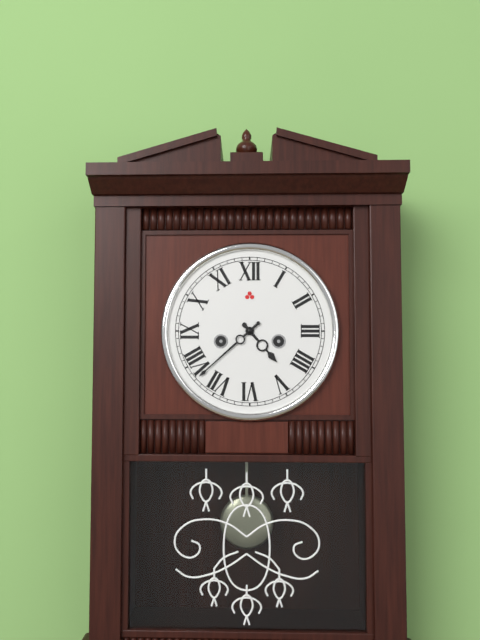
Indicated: **4:38**
